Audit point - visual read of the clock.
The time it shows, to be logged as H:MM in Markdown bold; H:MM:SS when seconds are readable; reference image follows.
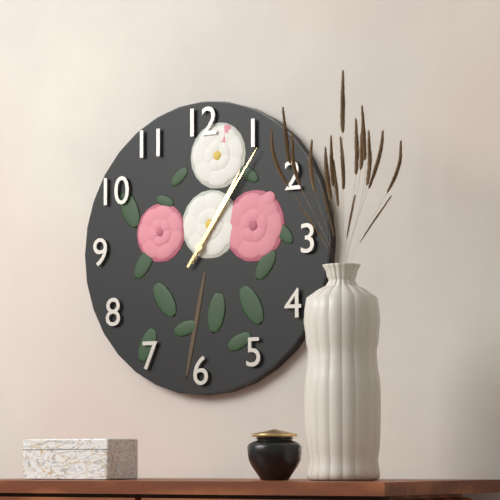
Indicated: **1:06**
